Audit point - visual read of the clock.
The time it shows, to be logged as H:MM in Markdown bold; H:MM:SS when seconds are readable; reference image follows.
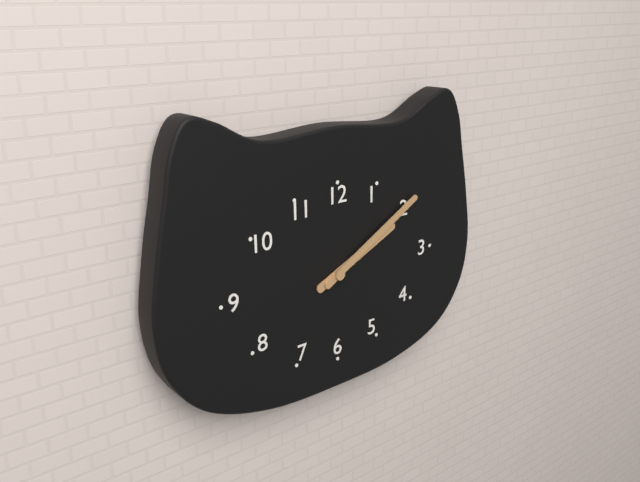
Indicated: **2:10**
